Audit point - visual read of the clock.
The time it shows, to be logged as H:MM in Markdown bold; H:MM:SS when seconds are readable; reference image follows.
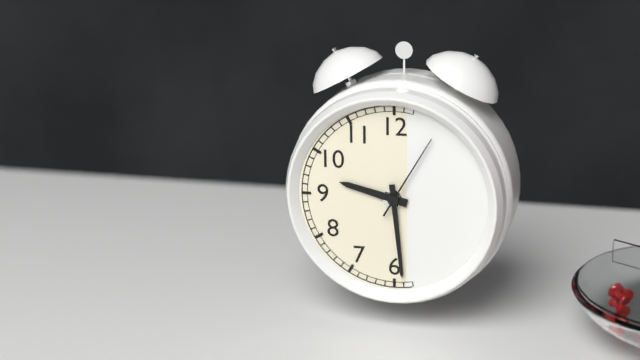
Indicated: **9:29:05**
